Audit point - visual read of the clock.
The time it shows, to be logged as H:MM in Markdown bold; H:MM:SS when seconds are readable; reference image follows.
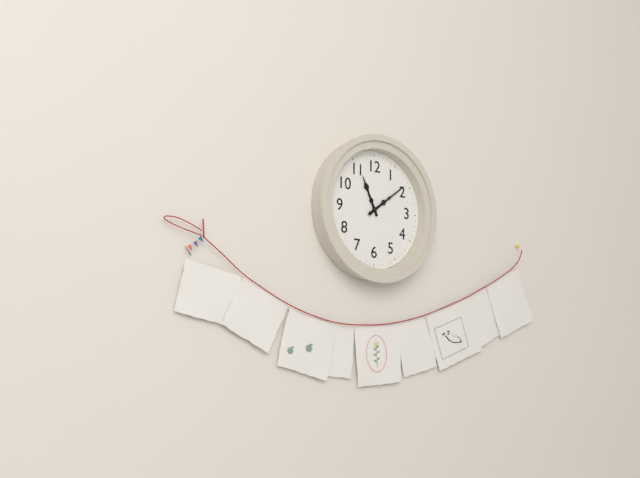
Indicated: **11:09**
